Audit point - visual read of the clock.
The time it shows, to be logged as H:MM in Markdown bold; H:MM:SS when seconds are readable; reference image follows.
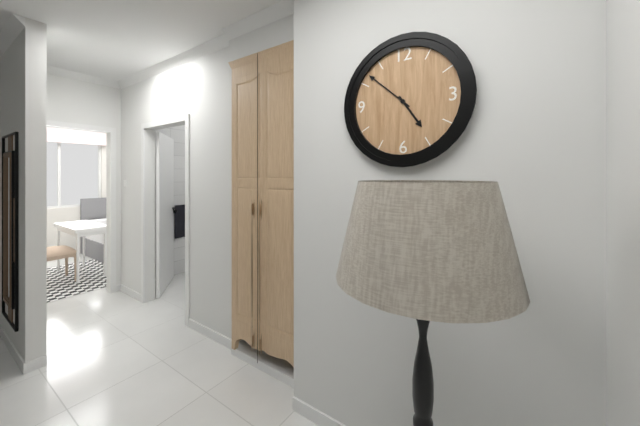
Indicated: **4:52**
